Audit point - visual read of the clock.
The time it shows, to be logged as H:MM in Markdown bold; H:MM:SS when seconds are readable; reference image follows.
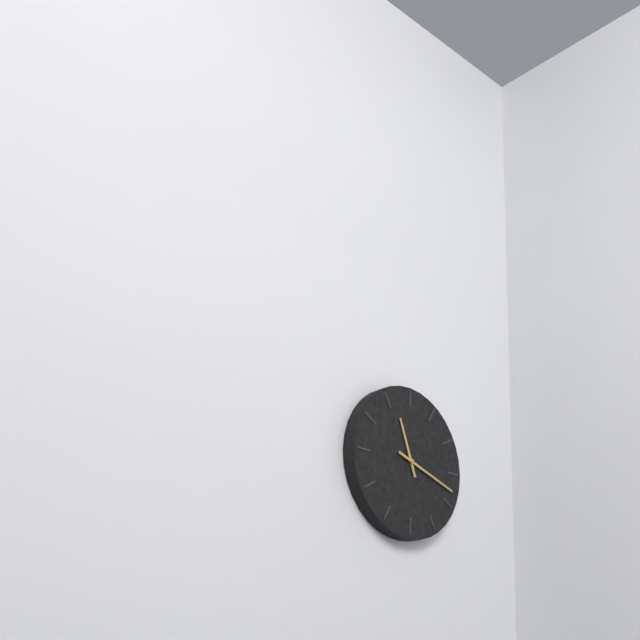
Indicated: **11:18**
